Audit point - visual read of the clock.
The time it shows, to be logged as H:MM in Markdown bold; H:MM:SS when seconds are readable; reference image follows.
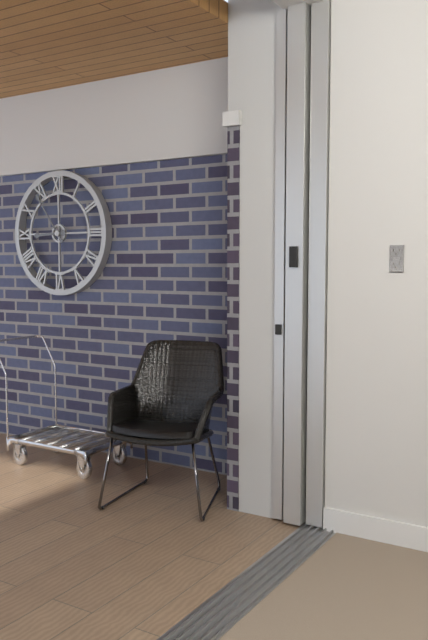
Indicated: **8:54**
